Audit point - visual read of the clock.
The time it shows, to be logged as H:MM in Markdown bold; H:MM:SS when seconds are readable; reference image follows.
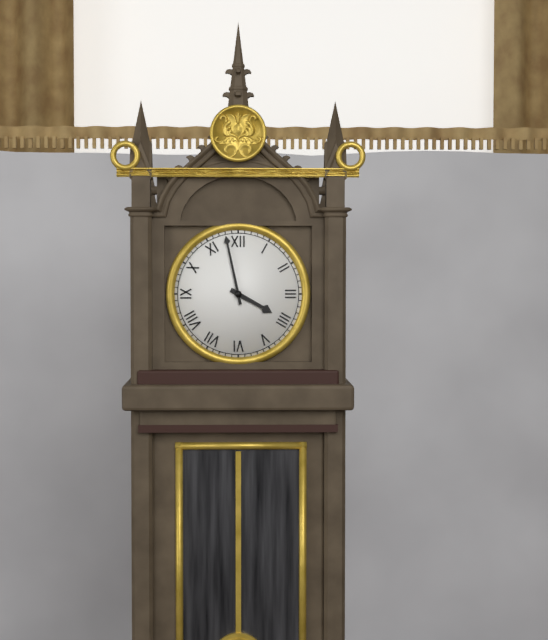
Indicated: **3:58**
